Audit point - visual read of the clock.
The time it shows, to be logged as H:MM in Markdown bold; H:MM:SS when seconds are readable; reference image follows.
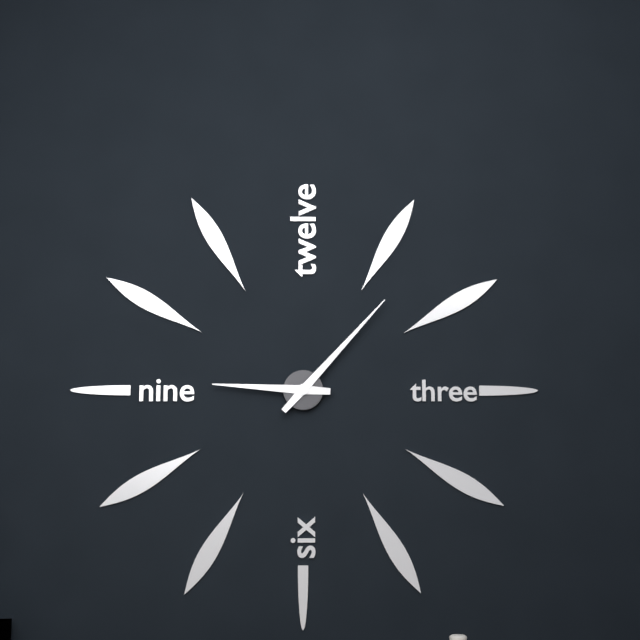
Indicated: **9:07**
